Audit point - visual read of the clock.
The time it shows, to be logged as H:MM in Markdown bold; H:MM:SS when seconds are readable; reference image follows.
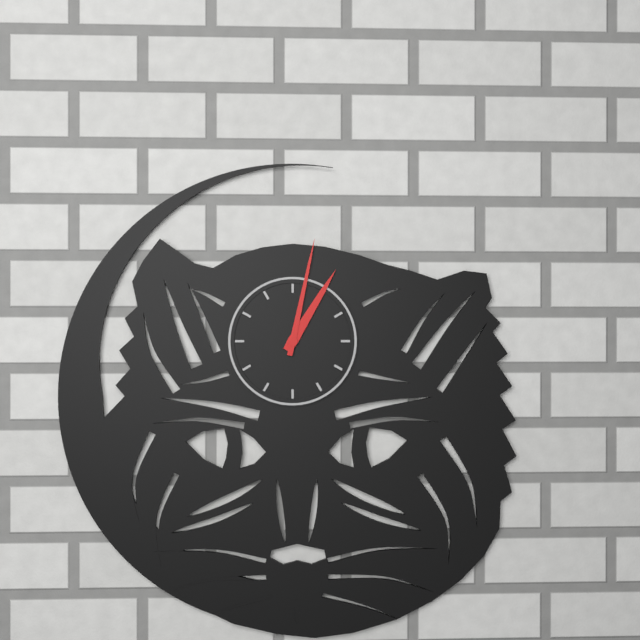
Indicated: **1:02**
